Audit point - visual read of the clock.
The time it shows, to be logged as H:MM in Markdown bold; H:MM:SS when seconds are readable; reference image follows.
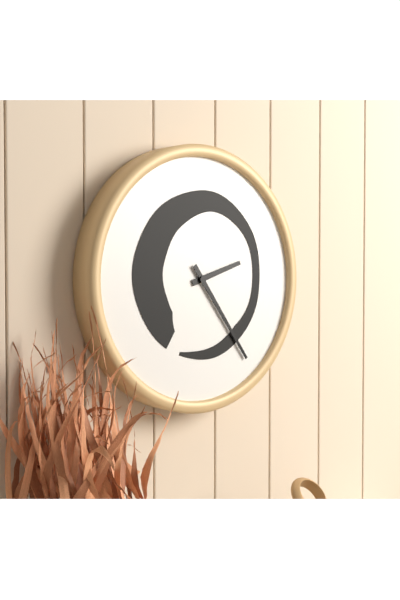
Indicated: **2:24**
